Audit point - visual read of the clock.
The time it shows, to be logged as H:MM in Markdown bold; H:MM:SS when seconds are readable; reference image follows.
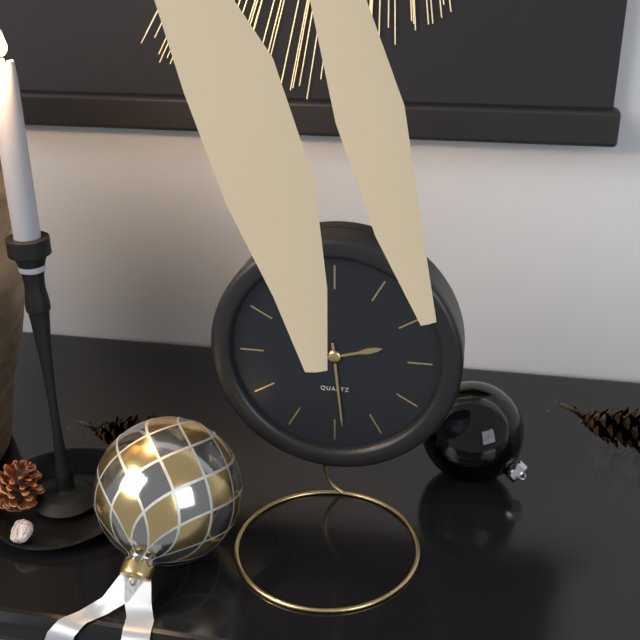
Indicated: **2:29**
